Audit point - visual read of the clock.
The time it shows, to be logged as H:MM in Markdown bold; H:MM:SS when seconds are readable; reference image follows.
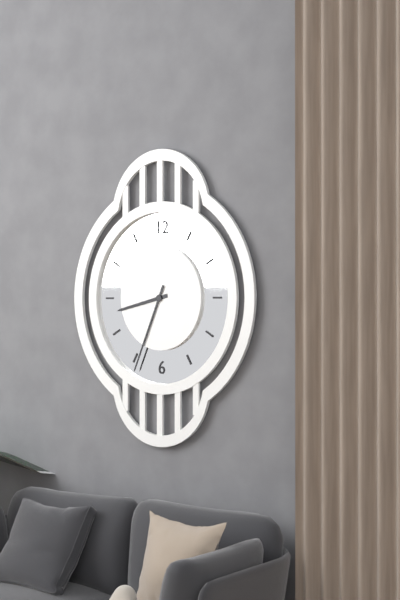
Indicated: **8:34**
